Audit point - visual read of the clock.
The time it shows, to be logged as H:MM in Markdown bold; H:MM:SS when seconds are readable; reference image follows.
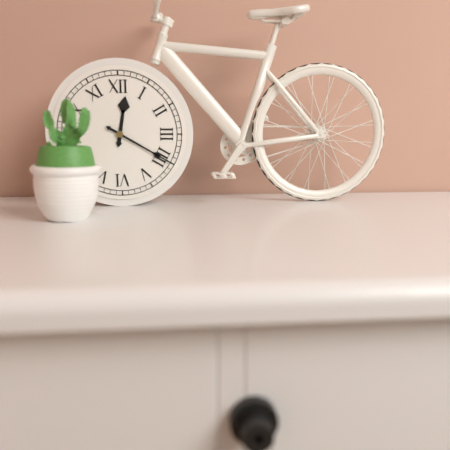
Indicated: **12:20**
